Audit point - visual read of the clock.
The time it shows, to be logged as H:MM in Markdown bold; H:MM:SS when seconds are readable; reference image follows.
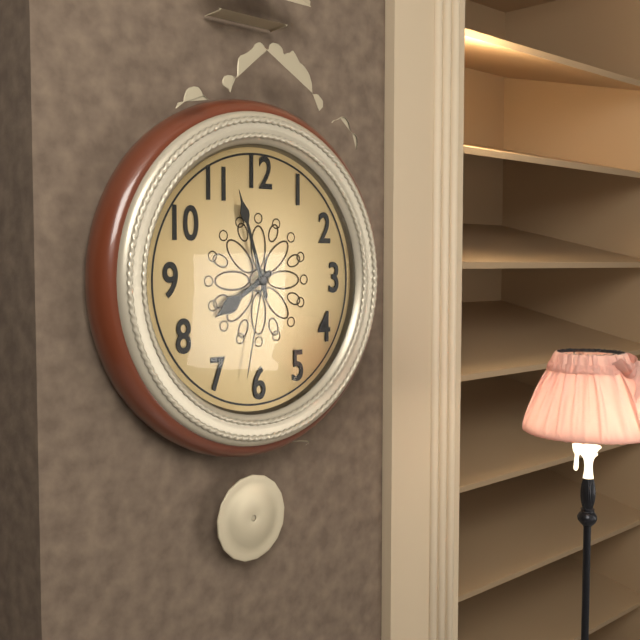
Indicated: **7:57:32**
